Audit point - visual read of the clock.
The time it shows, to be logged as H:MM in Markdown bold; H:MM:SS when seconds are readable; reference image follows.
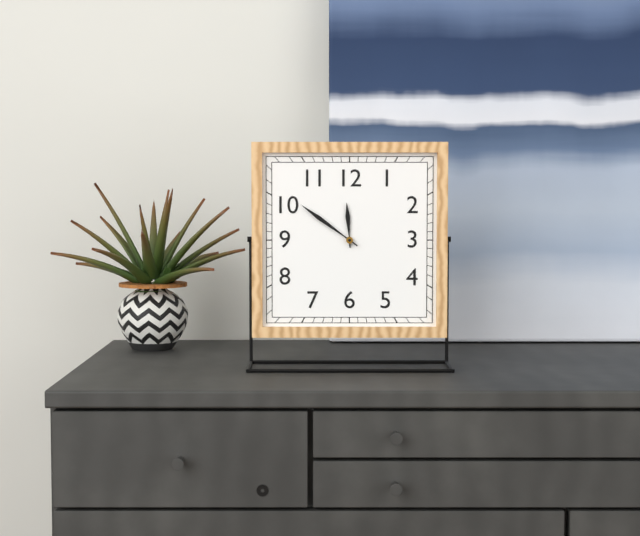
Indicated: **11:51**
